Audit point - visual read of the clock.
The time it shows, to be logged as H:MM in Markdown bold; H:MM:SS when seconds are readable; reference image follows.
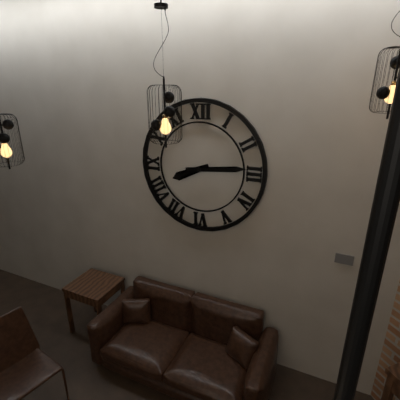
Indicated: **8:14**
